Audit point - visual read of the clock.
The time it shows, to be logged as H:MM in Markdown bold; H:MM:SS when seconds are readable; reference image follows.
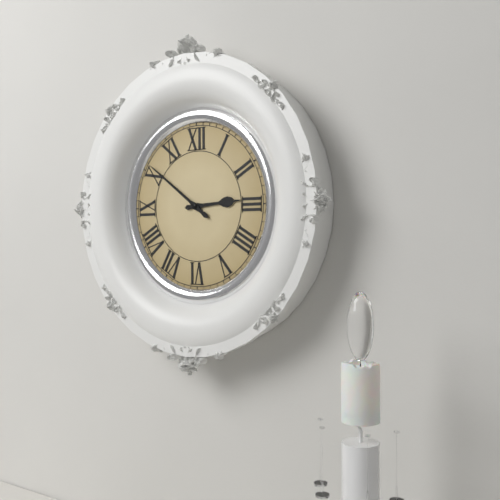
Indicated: **2:51**
